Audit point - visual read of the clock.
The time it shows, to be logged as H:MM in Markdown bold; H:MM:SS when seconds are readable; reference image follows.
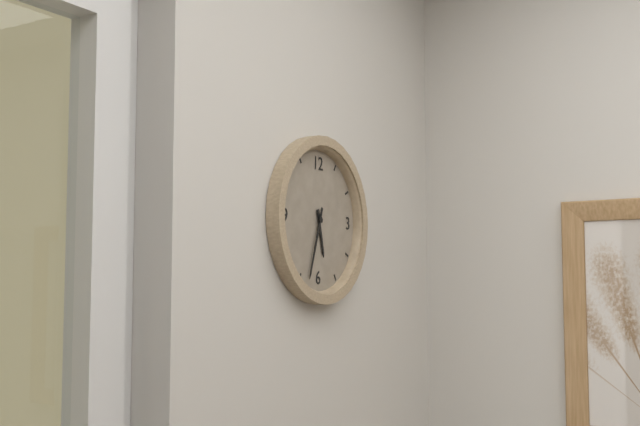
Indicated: **5:33**
